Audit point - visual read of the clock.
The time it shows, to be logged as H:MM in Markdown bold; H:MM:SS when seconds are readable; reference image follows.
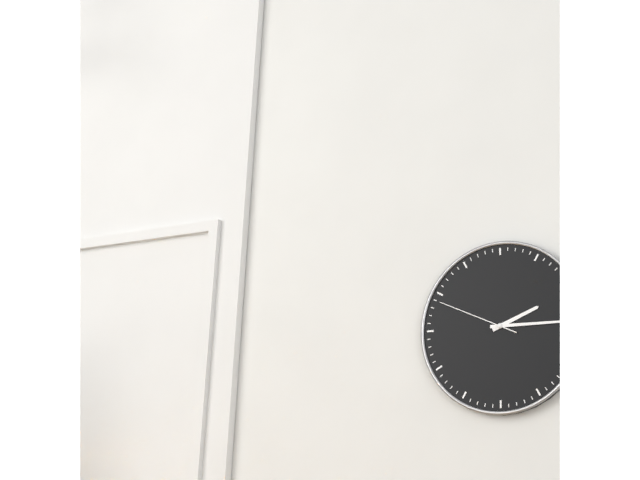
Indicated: **2:15:49**
